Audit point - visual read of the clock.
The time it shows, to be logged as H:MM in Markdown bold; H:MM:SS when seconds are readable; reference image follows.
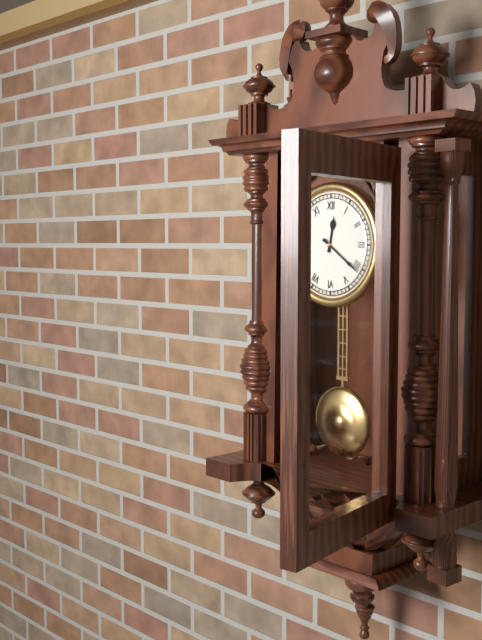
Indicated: **12:21**
